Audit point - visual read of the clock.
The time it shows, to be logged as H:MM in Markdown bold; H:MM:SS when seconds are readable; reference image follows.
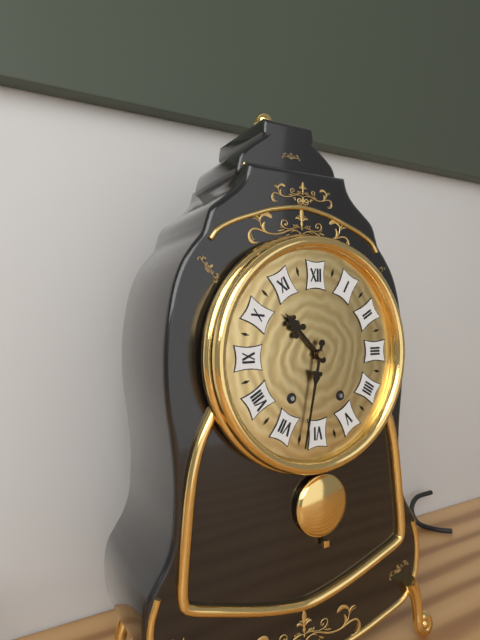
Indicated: **10:32**
